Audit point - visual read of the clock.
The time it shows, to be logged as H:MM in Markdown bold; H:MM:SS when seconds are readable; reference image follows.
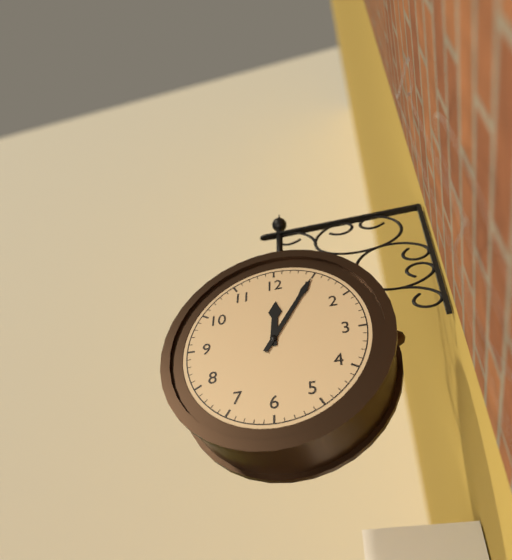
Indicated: **12:05**
